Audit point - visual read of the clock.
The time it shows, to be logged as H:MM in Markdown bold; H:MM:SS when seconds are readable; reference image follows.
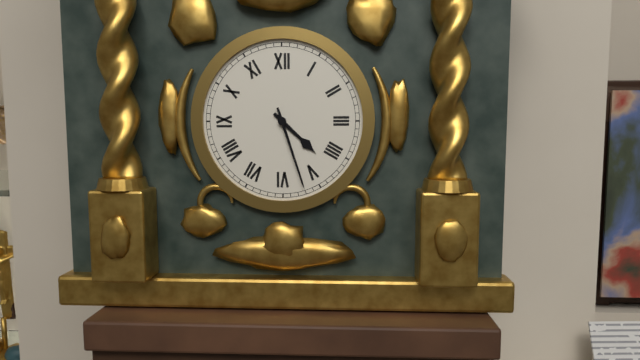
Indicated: **4:27**
